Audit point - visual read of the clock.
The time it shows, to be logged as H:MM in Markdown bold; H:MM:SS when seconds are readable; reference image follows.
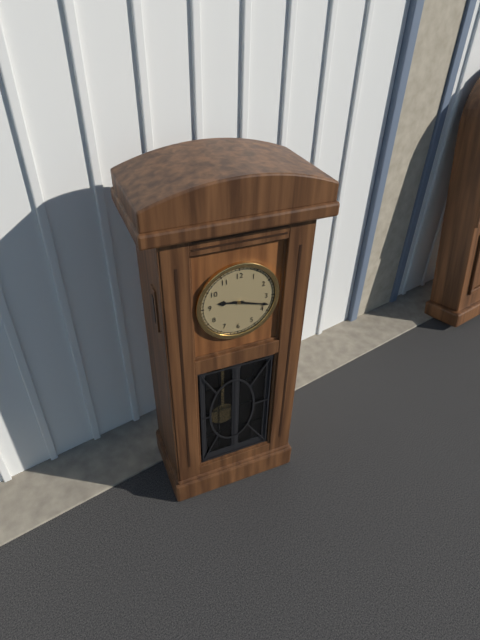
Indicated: **9:18**
